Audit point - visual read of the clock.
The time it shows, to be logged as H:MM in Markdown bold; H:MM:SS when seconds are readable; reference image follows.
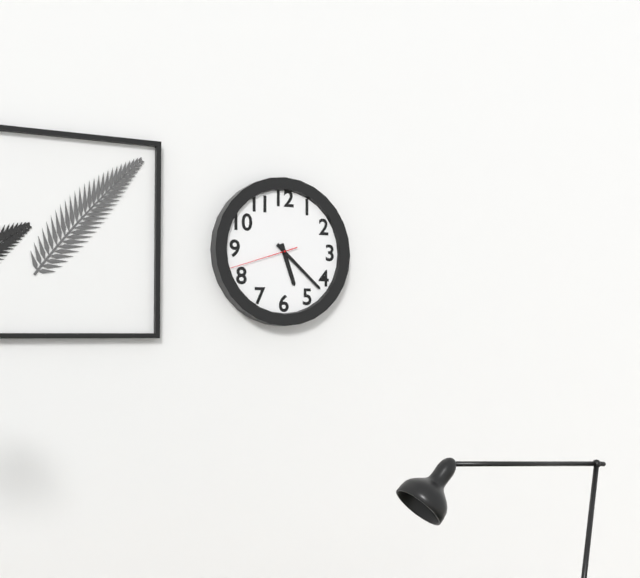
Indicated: **5:22:42**
